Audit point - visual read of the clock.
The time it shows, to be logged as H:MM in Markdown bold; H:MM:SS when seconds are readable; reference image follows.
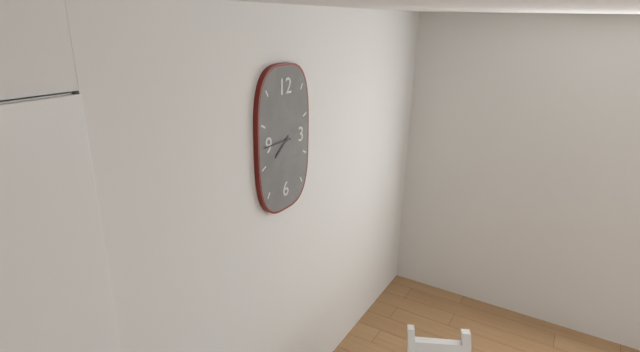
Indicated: **7:45**
